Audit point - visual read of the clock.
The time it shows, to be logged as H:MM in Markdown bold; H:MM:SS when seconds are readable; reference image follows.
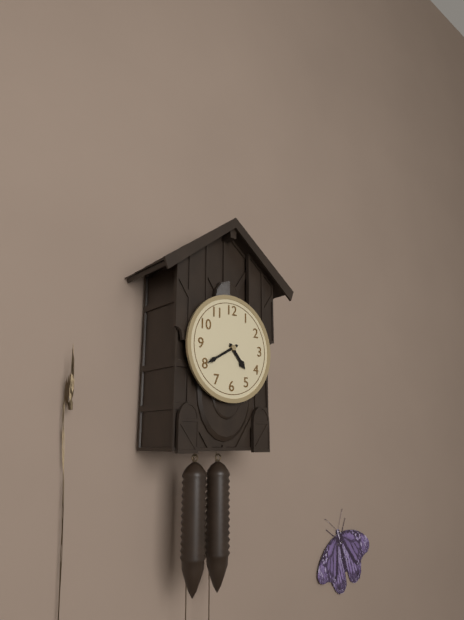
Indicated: **4:40**
